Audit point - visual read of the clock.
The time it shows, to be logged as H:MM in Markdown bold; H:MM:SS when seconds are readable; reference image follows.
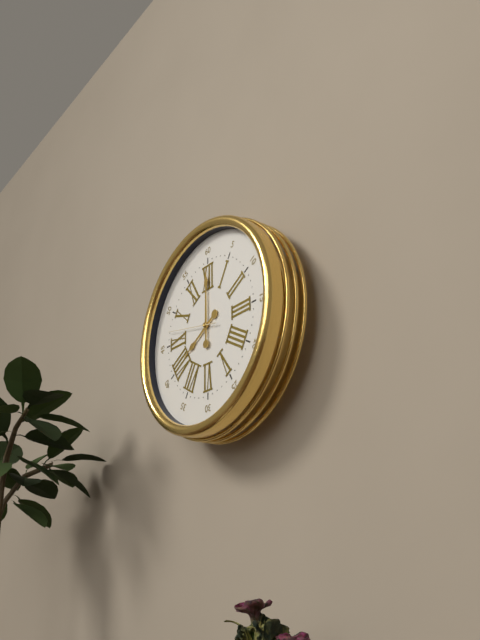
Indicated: **8:00**
